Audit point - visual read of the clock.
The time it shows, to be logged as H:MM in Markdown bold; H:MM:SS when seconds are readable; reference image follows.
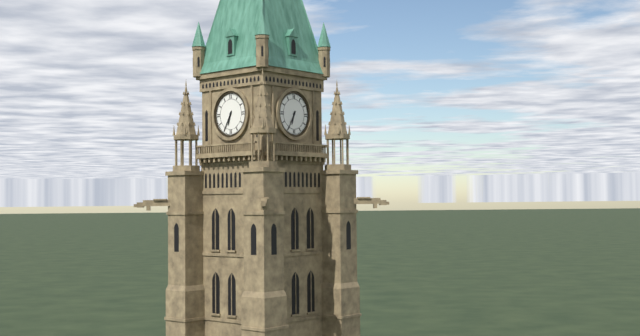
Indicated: **6:35**
